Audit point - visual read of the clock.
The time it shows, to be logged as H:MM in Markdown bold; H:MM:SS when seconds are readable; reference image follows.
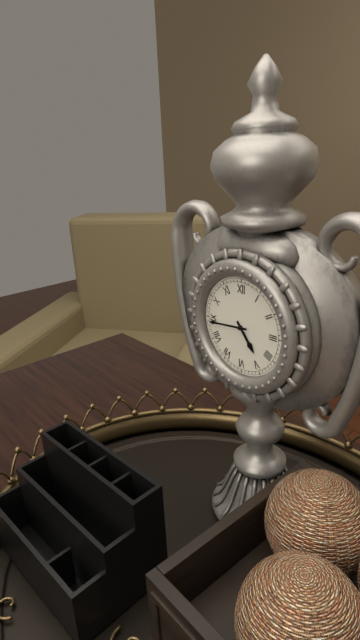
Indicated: **4:44**
